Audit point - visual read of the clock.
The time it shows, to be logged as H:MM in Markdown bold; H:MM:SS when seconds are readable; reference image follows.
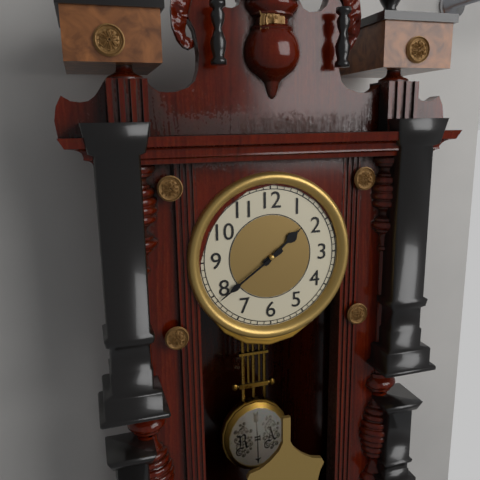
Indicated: **1:39**
